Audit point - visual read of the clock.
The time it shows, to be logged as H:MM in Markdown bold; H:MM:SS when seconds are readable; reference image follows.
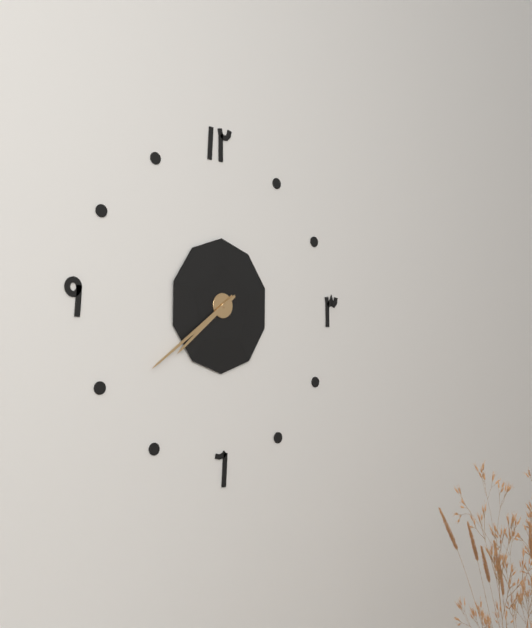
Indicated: **7:39**
